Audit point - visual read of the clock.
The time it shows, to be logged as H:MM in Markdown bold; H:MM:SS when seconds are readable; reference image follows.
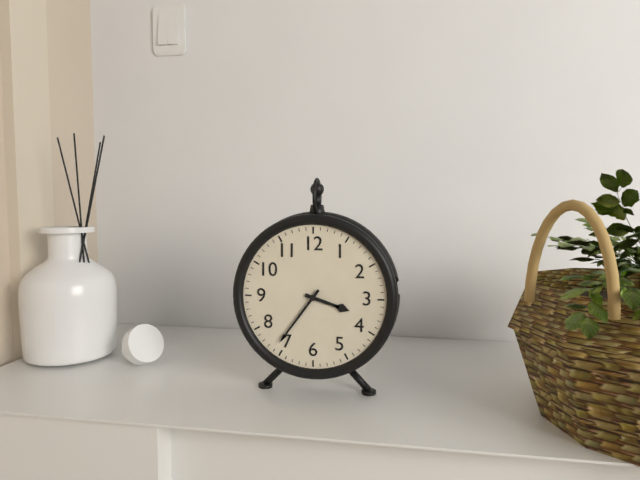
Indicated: **3:36**
